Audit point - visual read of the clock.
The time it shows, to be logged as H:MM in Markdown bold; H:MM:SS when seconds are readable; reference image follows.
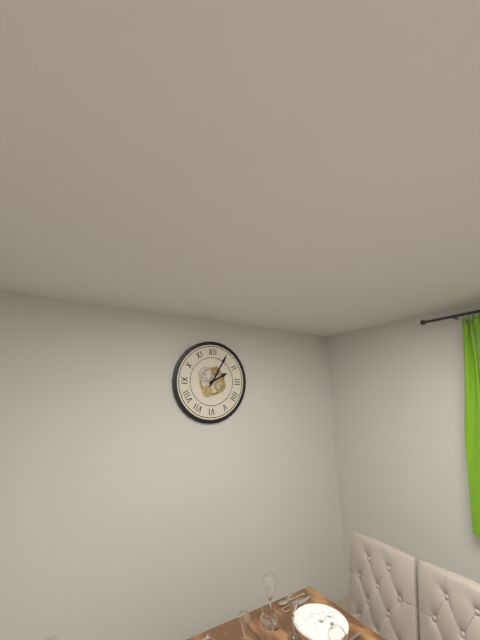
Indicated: **2:05**
